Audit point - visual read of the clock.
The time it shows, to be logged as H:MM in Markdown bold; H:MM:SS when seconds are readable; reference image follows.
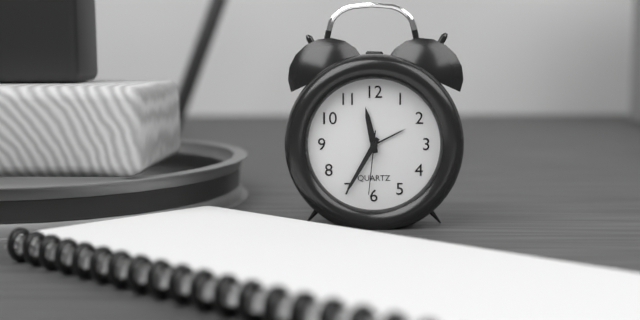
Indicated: **11:35:31**
